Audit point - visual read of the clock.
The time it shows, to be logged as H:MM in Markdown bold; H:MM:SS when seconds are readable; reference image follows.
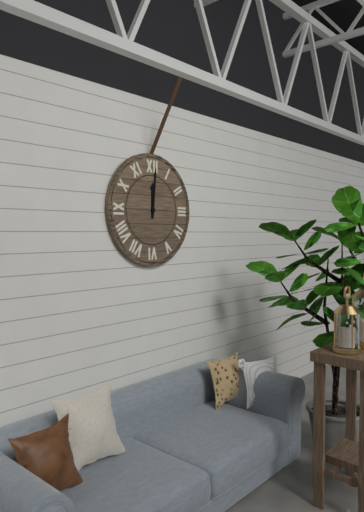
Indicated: **12:01**
